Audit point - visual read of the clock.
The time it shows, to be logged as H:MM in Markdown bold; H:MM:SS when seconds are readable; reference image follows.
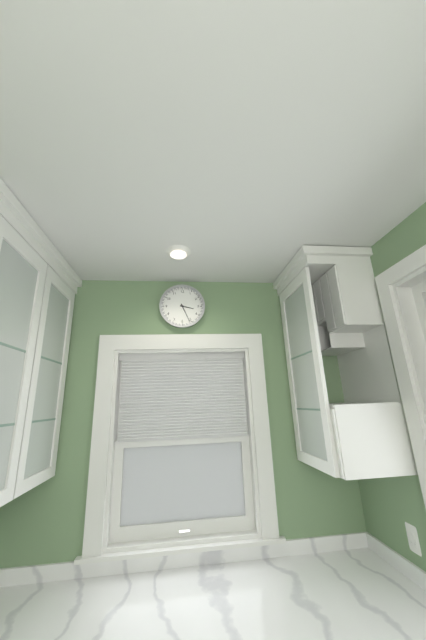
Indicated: **3:26**
